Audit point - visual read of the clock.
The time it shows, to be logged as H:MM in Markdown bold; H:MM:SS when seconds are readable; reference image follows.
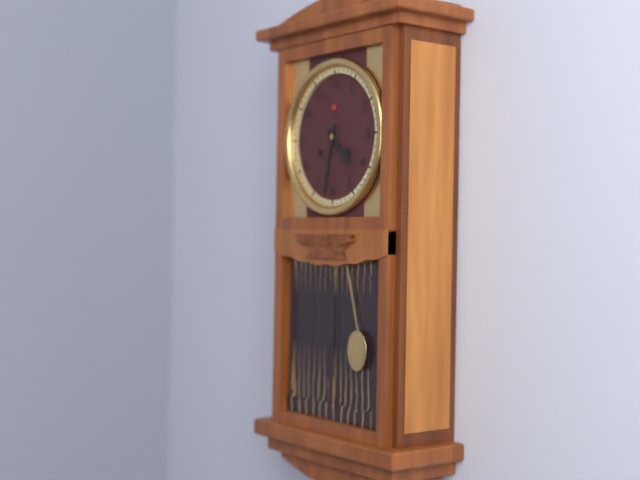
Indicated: **4:32**
